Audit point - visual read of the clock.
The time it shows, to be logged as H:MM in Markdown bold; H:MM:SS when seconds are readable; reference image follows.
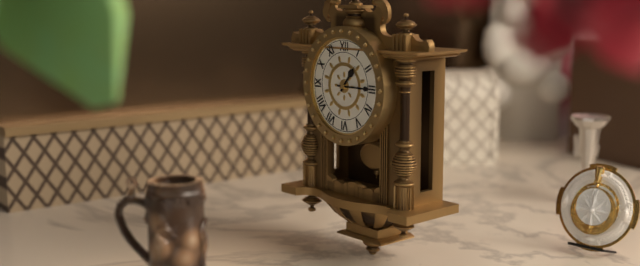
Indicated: **1:15**
